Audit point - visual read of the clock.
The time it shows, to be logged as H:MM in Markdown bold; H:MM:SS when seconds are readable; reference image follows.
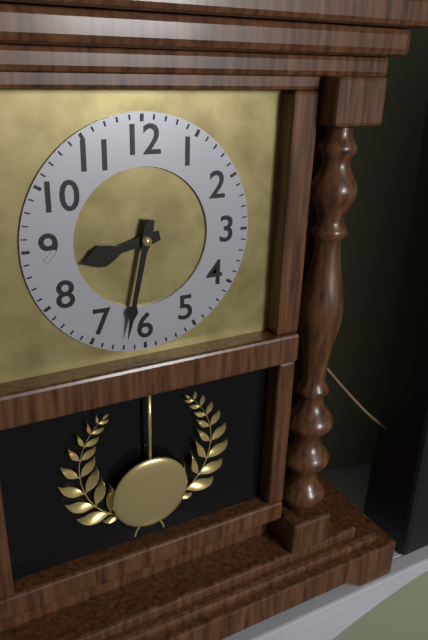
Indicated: **8:32**
